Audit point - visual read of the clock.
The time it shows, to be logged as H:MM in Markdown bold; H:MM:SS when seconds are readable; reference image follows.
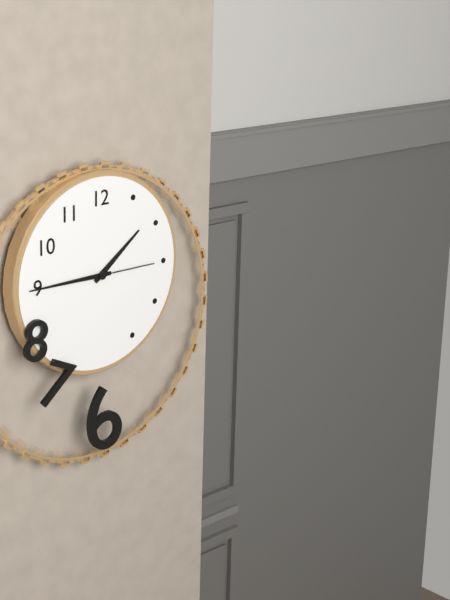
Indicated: **1:45:15**
